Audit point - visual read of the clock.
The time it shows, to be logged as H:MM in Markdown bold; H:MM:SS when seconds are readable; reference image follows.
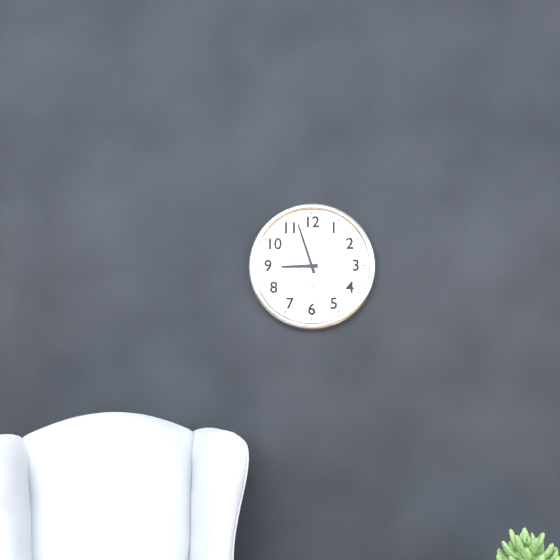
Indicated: **8:57**
